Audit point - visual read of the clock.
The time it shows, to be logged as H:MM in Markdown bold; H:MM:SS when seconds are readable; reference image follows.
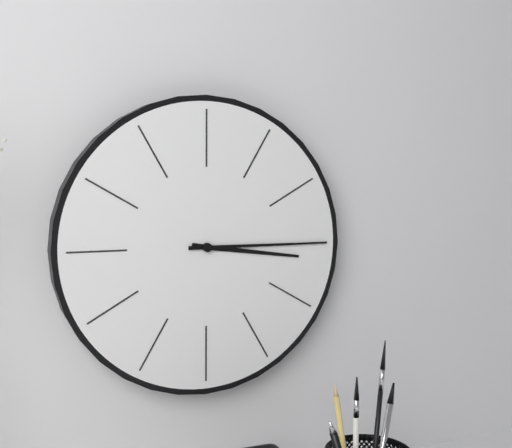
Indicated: **3:15**
